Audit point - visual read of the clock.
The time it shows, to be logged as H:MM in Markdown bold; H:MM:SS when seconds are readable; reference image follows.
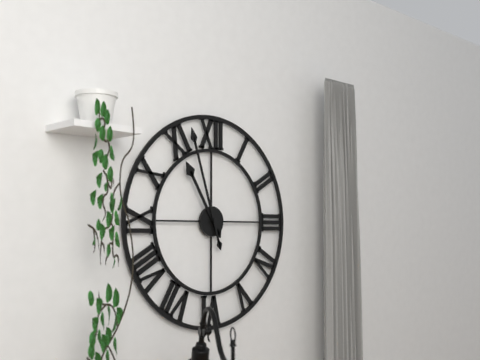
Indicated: **10:57**
